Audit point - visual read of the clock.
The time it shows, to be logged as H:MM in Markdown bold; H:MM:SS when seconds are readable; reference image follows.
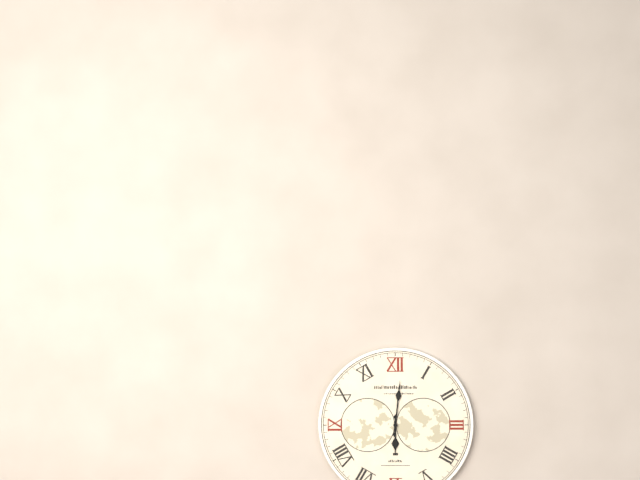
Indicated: **6:01**
